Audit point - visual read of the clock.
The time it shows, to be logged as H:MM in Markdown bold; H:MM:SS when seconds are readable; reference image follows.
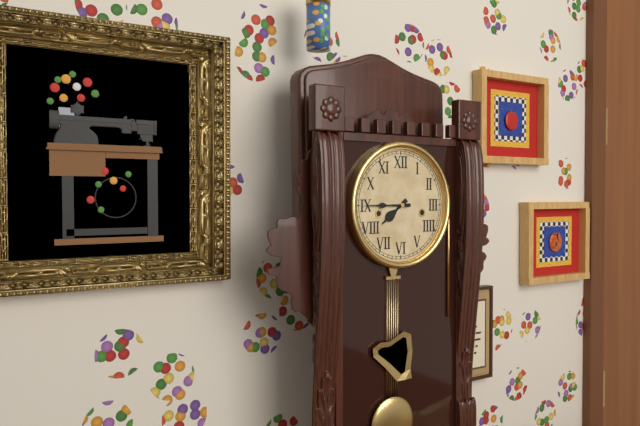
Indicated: **7:45**
